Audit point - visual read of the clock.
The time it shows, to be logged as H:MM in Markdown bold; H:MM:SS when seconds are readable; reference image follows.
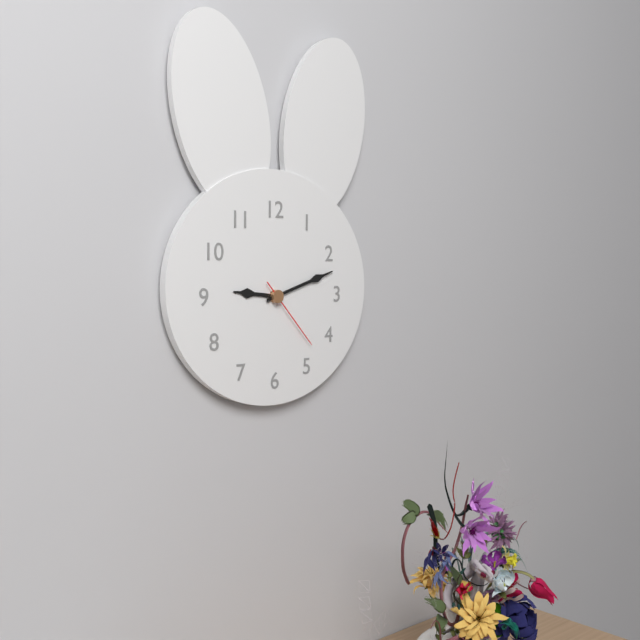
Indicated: **9:12:23**
